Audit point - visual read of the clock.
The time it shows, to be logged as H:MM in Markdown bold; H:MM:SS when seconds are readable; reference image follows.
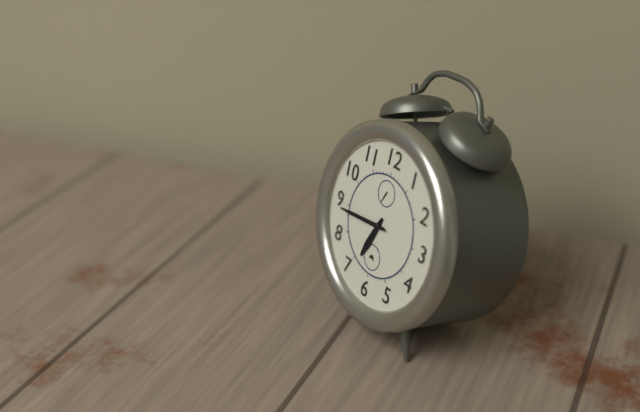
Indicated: **6:44**
